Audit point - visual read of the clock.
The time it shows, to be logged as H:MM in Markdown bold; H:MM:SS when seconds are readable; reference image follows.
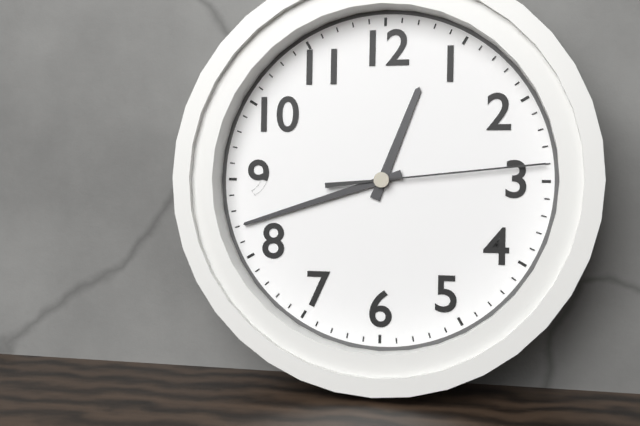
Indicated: **12:42:14**
